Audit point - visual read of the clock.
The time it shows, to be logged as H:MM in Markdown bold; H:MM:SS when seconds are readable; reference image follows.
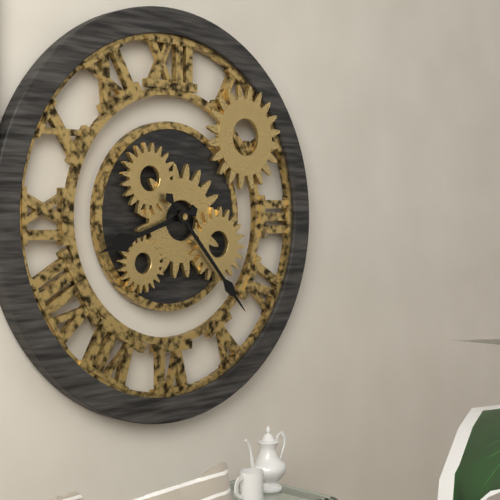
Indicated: **8:23**
